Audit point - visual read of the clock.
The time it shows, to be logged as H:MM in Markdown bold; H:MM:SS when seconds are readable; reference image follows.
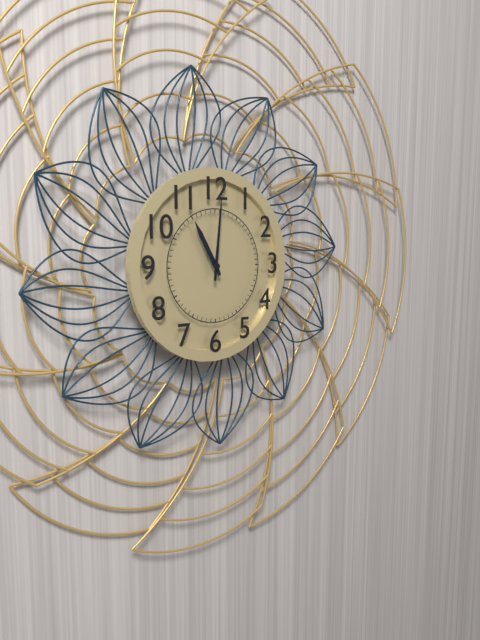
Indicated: **11:01**
